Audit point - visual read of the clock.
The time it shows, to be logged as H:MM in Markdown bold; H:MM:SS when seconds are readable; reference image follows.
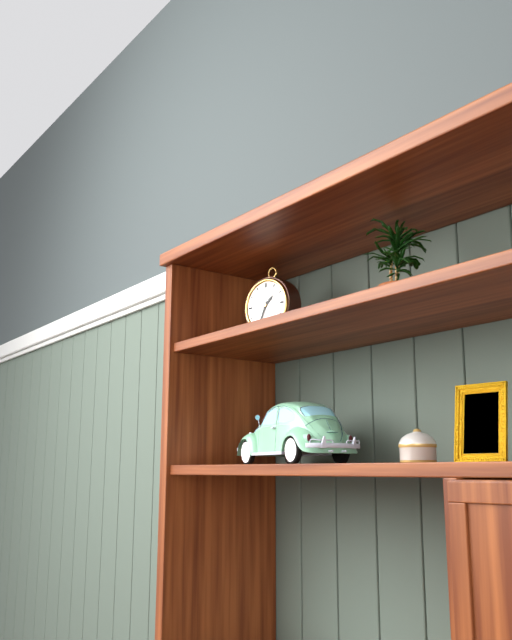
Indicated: **1:34**
